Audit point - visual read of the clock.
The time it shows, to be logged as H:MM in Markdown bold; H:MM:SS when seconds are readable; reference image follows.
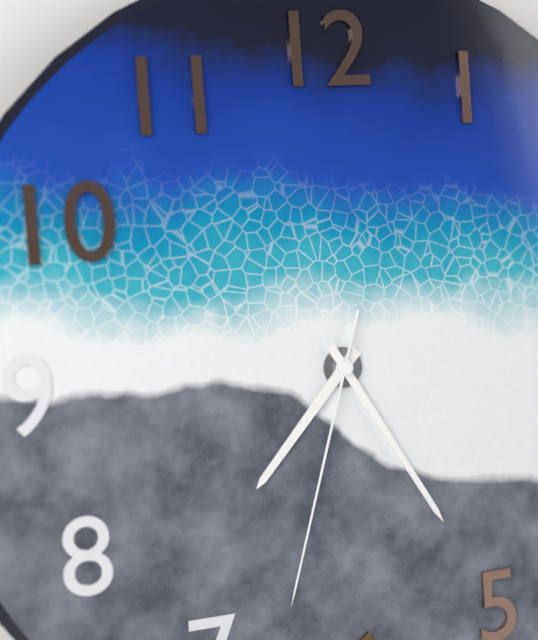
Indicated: **7:25:33**
